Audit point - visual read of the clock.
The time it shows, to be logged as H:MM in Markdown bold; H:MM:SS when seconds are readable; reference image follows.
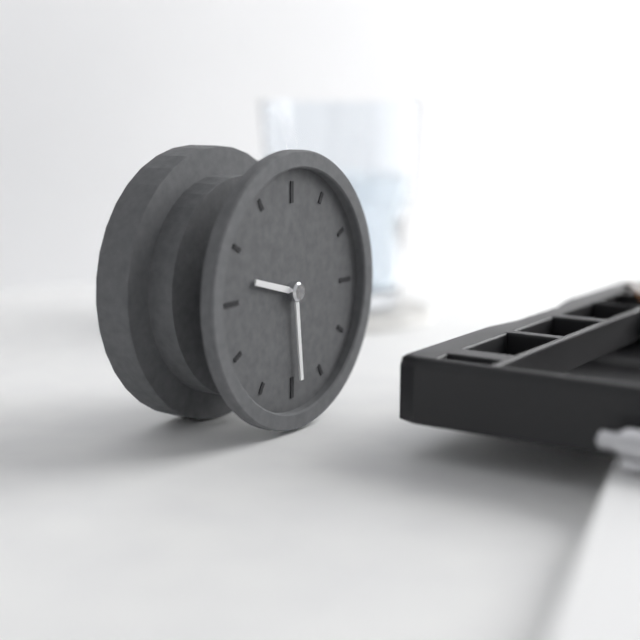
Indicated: **9:29**
